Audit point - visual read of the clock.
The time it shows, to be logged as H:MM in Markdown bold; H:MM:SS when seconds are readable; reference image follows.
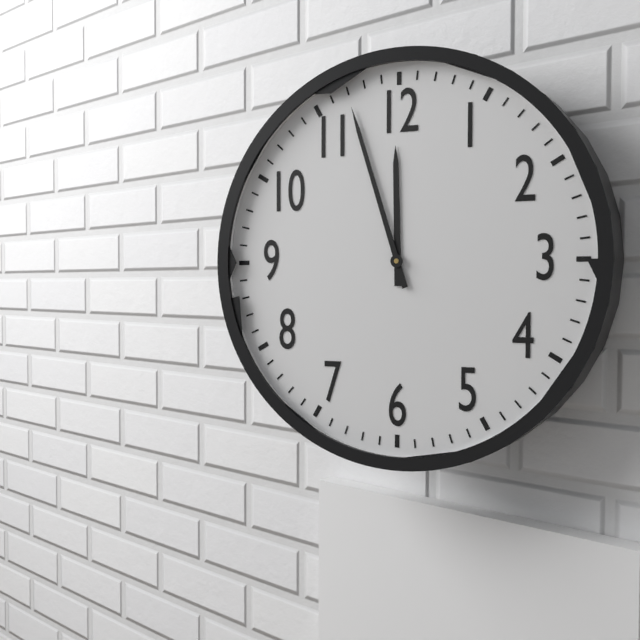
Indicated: **11:57**
